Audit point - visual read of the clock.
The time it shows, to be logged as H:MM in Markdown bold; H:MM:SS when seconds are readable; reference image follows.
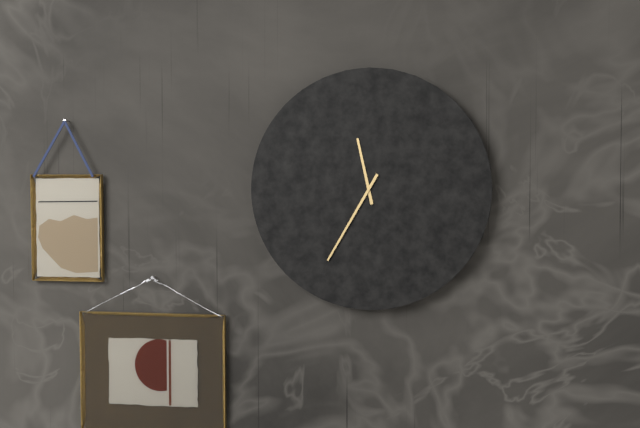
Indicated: **11:35**
